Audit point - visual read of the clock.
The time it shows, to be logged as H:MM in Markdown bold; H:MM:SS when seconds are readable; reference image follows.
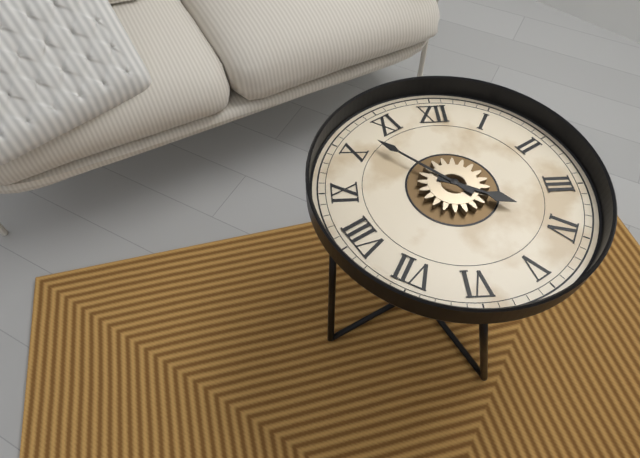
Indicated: **3:52**
